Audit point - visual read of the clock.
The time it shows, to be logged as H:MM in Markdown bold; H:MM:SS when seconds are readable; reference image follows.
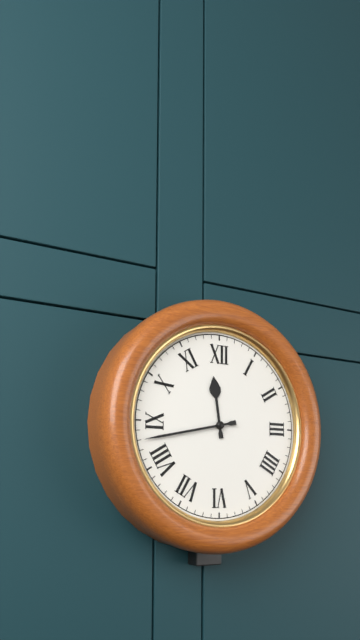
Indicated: **11:43**
